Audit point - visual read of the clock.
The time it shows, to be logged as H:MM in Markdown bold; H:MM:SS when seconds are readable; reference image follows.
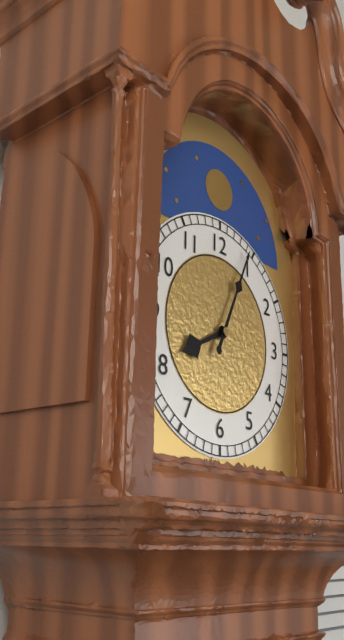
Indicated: **8:04**
